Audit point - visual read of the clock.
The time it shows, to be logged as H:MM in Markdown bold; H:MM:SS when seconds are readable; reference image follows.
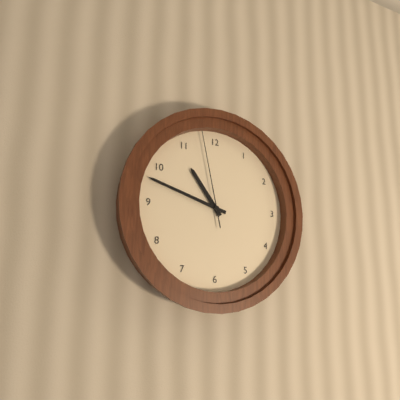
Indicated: **10:48:58**
